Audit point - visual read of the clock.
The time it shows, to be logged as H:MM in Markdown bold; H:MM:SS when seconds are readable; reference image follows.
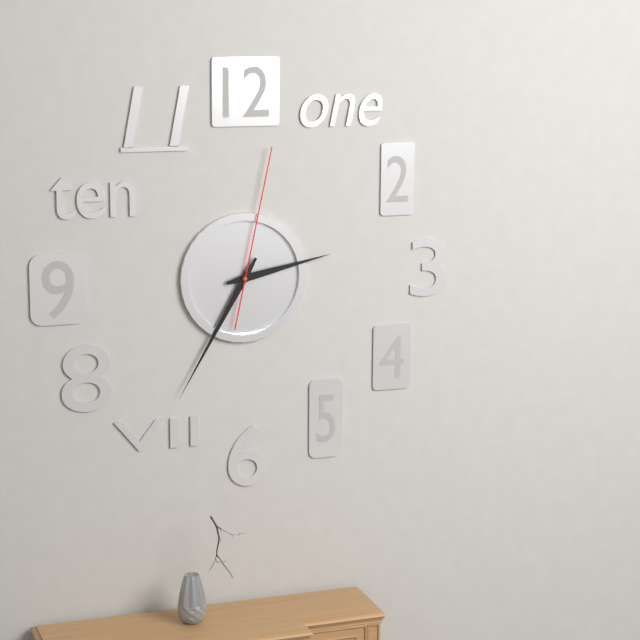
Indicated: **2:35:02**
